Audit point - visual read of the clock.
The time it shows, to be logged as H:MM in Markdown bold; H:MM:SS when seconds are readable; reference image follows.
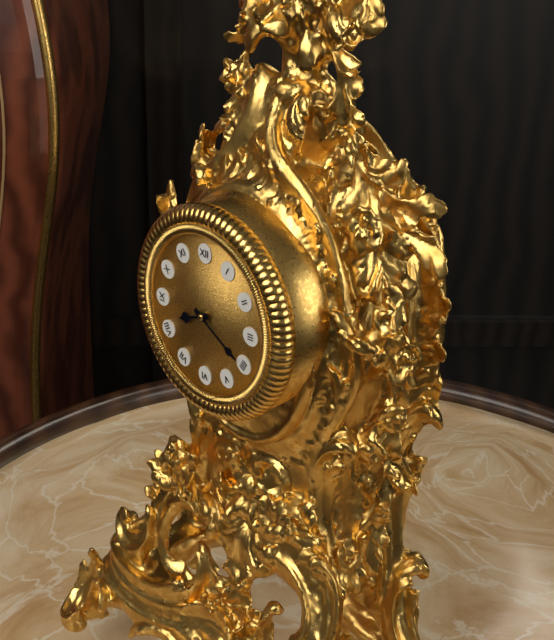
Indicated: **8:20**
